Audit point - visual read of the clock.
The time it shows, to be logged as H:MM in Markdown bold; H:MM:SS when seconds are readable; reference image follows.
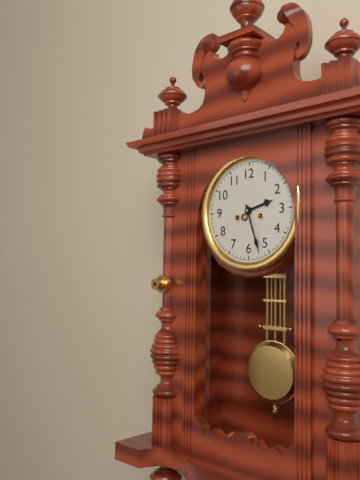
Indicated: **2:27**
